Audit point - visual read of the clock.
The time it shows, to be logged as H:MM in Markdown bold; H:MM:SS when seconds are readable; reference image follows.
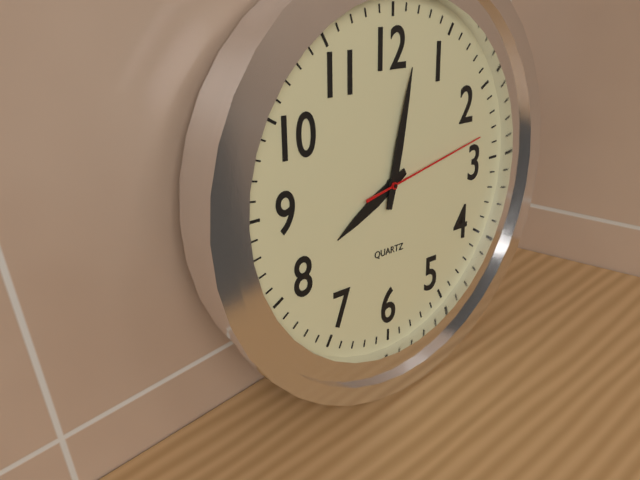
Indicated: **8:02:13**
